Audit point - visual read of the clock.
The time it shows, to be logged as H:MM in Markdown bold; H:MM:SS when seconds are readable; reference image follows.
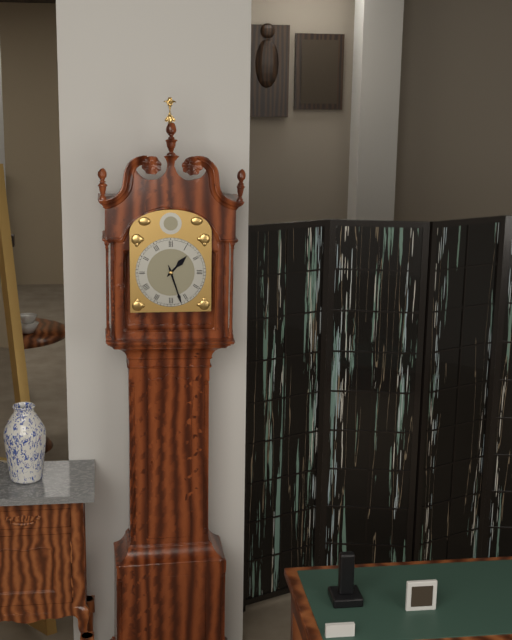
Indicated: **1:27**
